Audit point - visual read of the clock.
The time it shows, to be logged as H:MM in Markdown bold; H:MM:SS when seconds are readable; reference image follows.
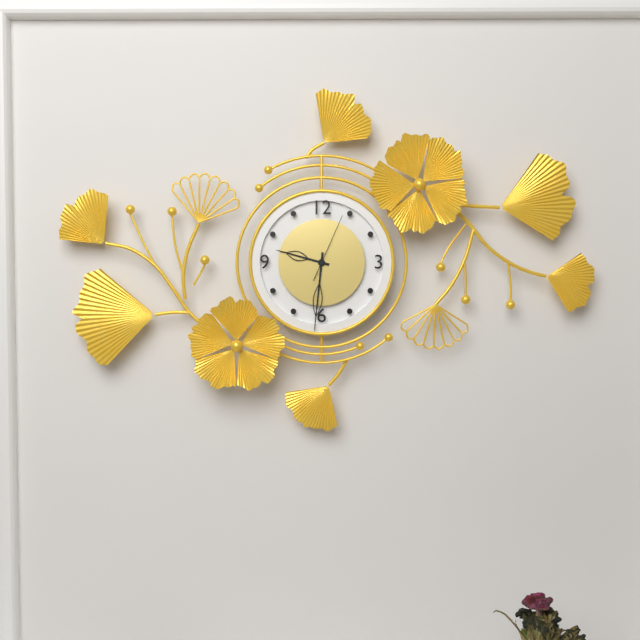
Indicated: **9:31:04**
